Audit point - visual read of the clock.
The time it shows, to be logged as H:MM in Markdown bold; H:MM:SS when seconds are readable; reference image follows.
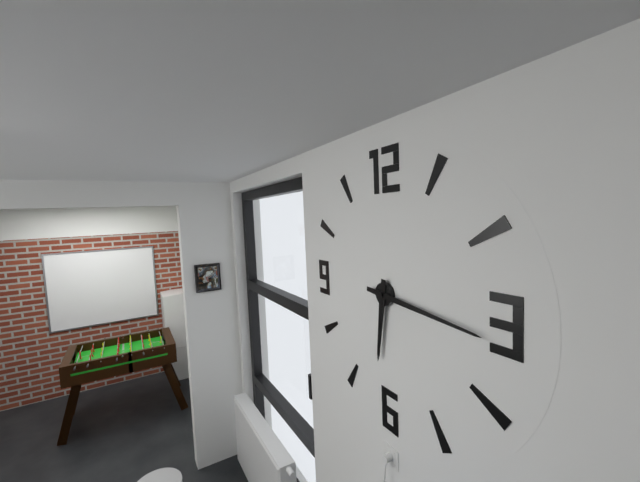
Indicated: **6:16**
